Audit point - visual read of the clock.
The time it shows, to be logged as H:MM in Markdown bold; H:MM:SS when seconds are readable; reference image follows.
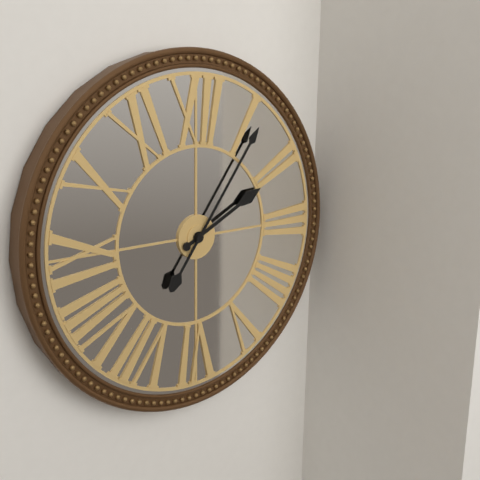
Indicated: **2:06**
